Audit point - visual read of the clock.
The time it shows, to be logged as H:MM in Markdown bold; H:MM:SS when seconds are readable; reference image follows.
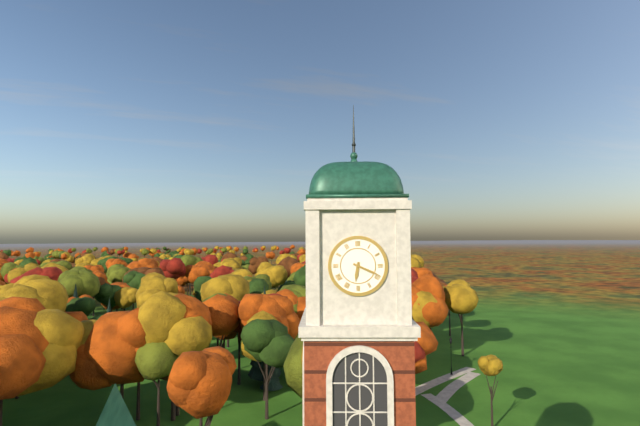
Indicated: **6:19**
